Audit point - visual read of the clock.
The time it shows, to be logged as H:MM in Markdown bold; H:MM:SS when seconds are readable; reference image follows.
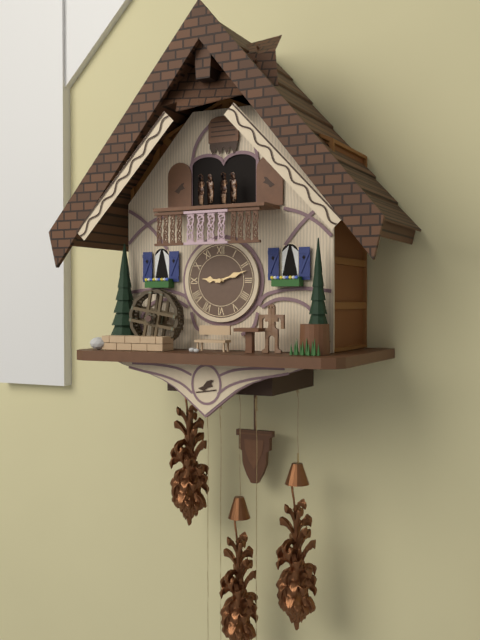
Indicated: **9:12**
